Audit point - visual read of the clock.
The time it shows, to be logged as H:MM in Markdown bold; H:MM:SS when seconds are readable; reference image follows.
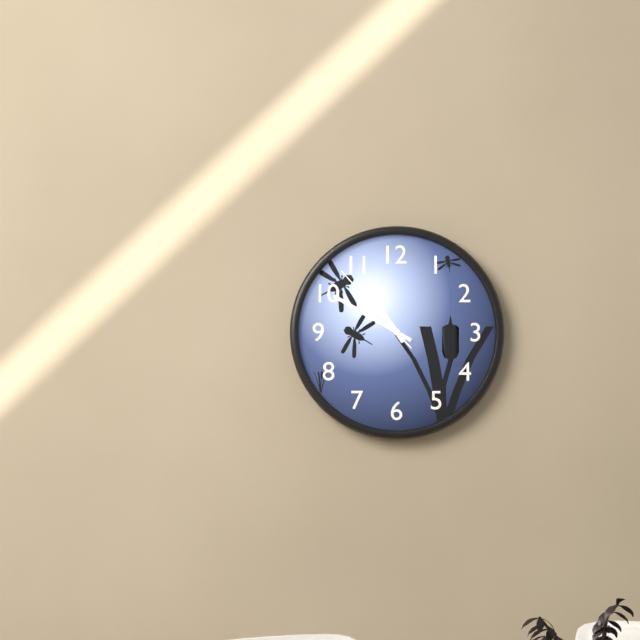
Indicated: **10:50:53**
